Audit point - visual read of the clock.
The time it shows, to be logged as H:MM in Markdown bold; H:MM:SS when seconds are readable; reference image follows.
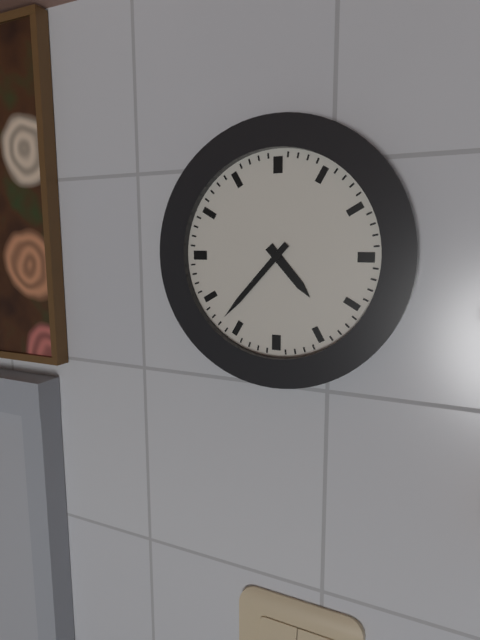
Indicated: **4:37**
